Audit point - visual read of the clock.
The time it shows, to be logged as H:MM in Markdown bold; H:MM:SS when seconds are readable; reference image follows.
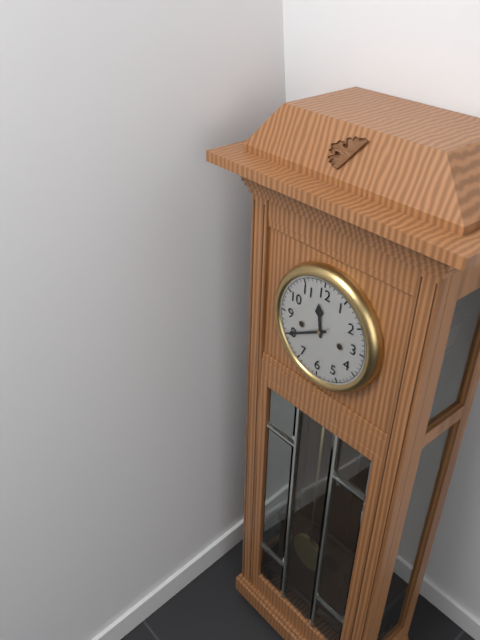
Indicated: **11:40**
